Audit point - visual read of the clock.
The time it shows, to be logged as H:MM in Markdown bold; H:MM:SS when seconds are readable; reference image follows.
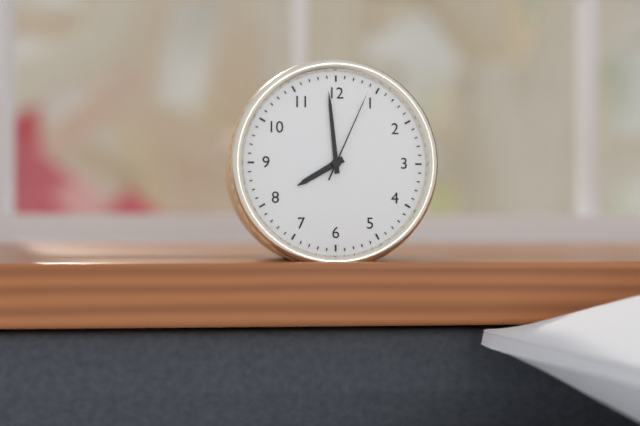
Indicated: **7:59:04**
